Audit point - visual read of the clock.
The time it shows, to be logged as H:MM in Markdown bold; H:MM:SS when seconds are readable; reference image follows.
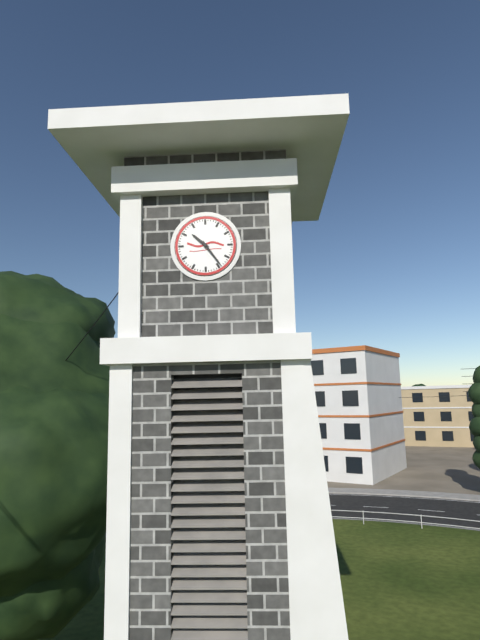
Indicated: **10:24**
